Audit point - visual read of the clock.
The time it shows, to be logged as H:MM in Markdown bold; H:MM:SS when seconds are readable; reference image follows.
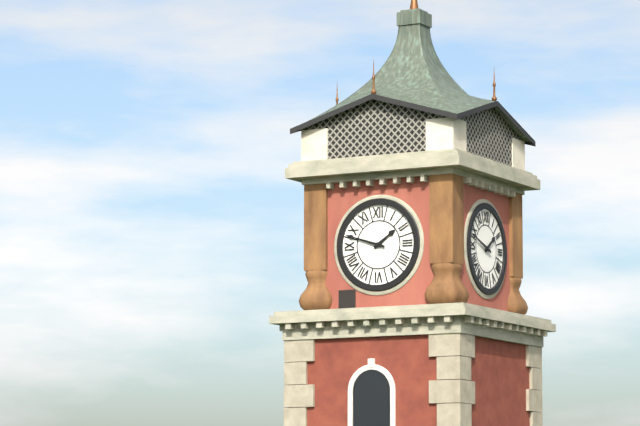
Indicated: **1:48**
